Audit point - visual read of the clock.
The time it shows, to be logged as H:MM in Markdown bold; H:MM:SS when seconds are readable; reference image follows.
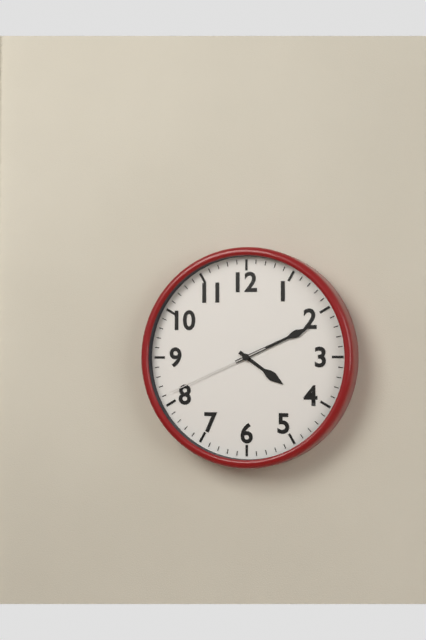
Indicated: **4:11:41**
